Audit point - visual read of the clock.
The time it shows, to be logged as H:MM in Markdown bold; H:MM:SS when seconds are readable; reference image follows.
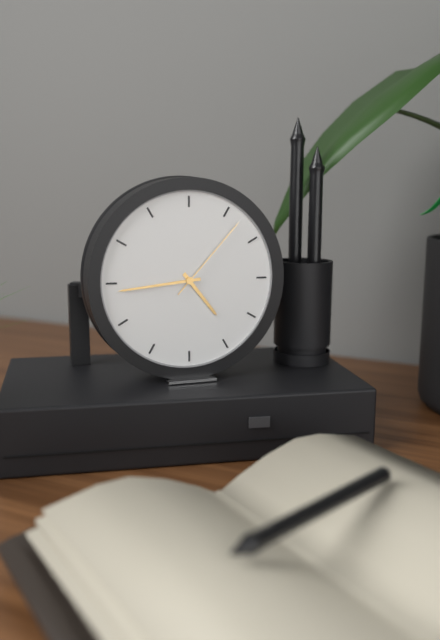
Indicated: **4:44:07**
